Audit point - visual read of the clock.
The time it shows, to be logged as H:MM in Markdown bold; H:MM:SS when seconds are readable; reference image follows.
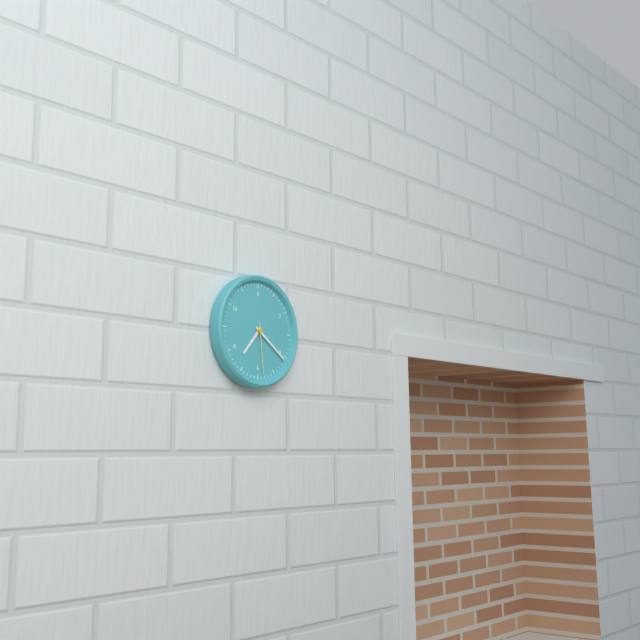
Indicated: **7:21:29**
